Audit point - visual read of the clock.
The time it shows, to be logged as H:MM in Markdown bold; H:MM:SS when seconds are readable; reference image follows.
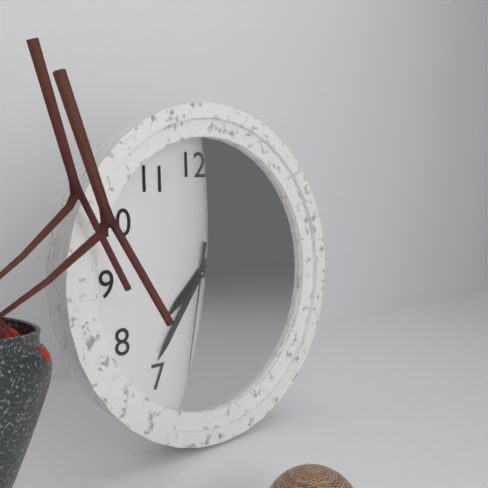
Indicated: **7:36:32**
